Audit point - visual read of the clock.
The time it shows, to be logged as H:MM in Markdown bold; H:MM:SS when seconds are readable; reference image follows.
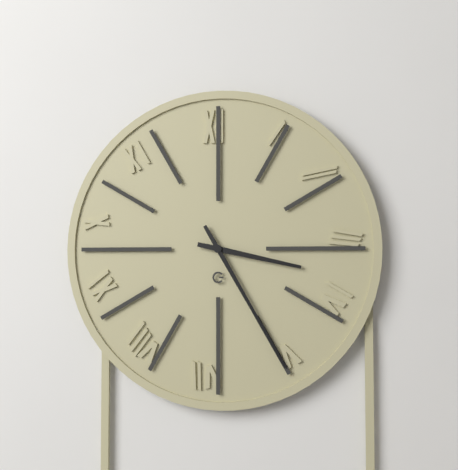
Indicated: **3:25**
